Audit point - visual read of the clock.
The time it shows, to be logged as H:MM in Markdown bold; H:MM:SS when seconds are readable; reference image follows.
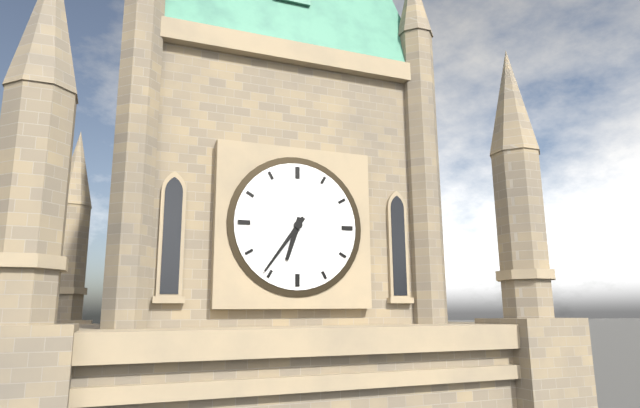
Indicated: **6:36**
